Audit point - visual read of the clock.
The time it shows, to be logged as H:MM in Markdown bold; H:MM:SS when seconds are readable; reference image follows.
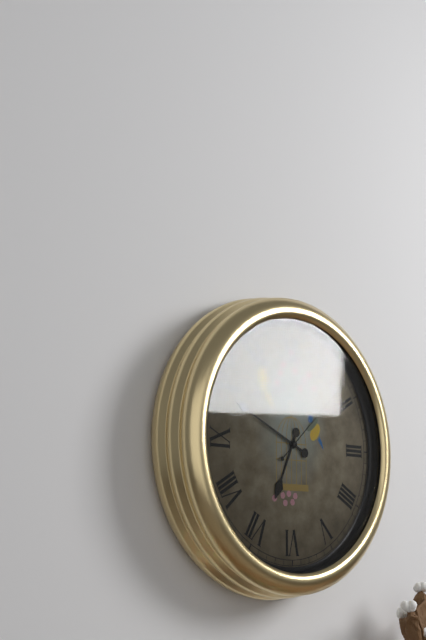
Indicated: **6:49:08**
